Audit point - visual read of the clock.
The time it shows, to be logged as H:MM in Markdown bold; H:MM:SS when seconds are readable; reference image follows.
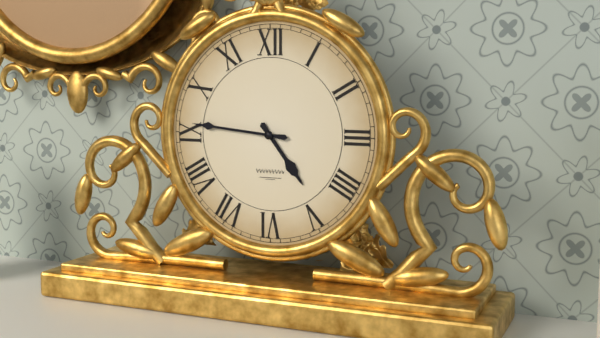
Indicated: **4:46**
